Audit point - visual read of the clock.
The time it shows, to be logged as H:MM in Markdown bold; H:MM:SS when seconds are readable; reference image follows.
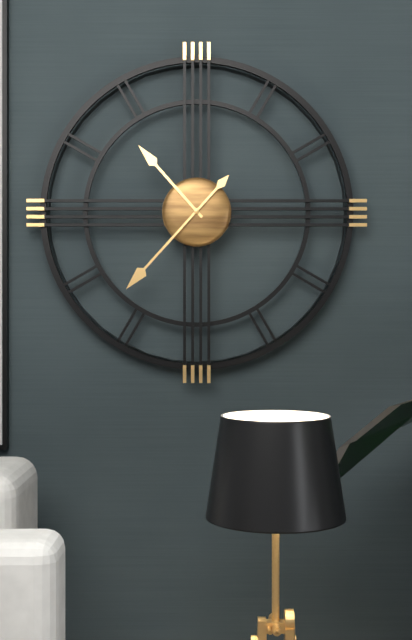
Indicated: **10:37**
